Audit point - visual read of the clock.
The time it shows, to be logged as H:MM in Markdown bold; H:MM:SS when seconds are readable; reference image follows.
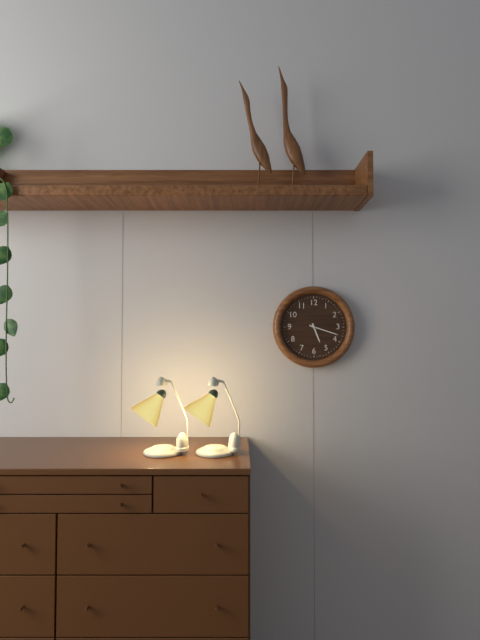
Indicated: **5:18**
